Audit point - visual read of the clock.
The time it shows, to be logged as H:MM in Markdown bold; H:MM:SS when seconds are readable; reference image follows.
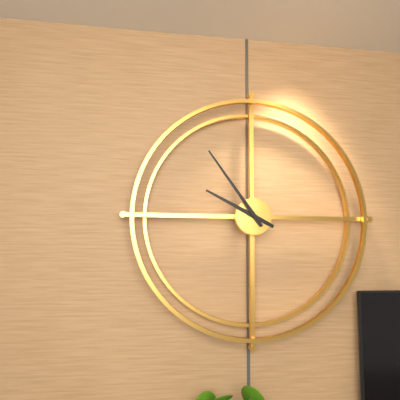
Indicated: **9:54**
